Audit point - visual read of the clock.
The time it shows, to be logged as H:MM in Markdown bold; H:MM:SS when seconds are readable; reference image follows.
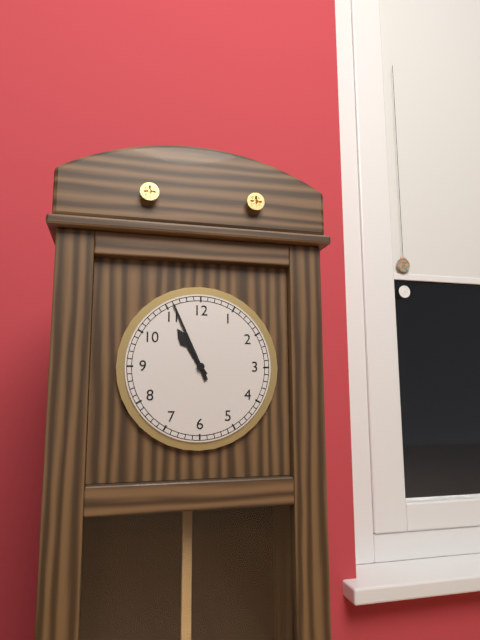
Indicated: **10:56**
